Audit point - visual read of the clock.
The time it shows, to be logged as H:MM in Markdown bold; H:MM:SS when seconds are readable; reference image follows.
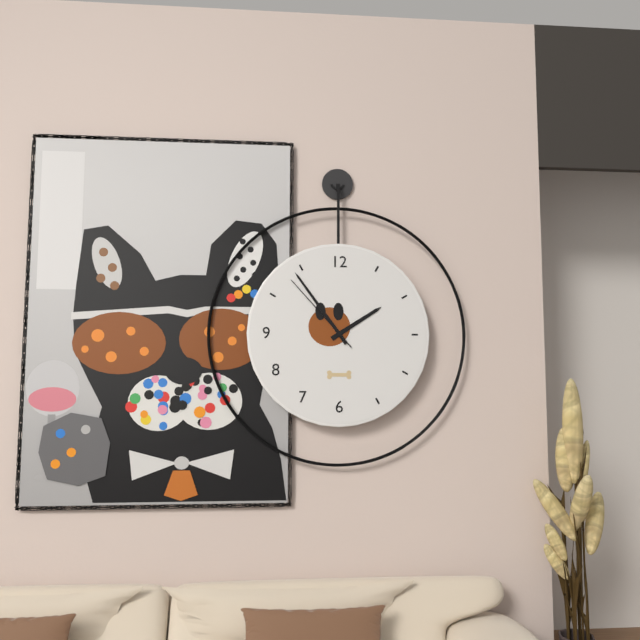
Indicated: **1:54:53**
